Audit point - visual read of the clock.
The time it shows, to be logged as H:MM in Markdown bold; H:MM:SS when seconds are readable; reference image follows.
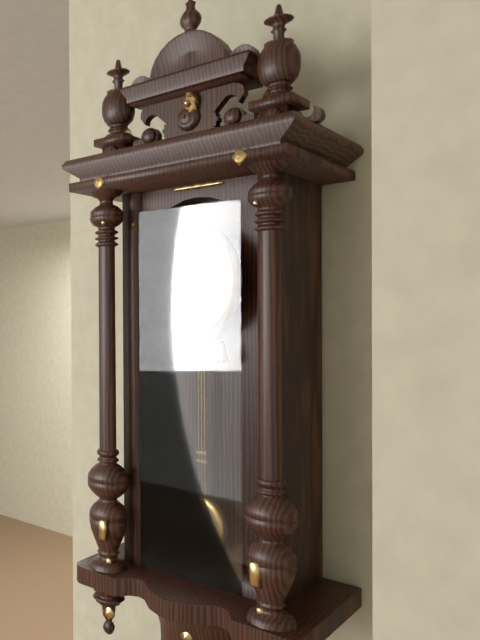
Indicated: **6:08**
